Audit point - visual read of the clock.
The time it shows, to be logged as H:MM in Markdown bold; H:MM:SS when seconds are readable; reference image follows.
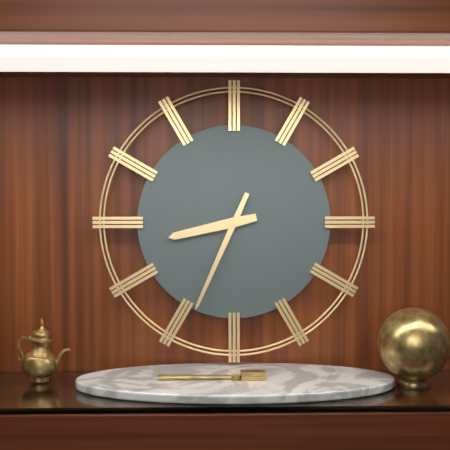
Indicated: **8:34**
